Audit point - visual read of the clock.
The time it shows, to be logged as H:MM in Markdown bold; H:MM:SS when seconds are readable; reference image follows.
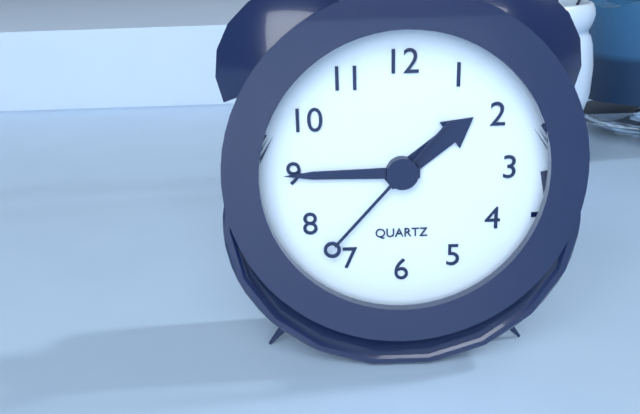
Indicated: **1:45:37**
